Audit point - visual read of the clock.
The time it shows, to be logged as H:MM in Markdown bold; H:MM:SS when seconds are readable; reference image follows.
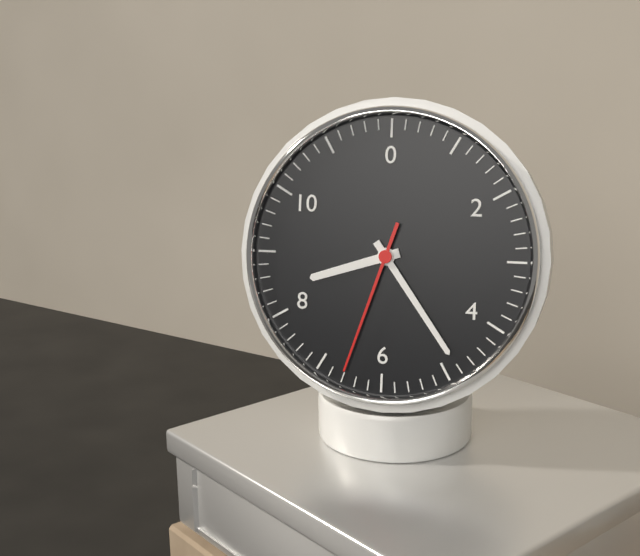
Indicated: **8:24:33**
